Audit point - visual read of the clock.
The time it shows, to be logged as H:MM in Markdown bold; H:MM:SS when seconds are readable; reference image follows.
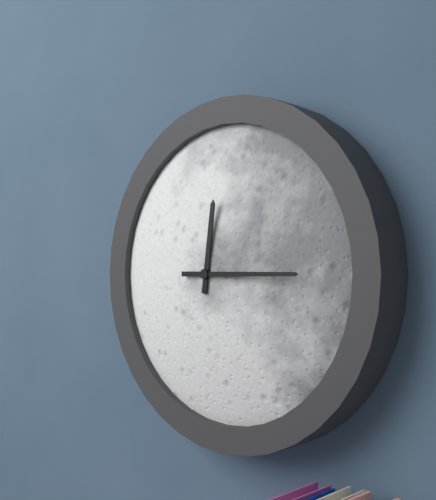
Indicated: **12:15**
